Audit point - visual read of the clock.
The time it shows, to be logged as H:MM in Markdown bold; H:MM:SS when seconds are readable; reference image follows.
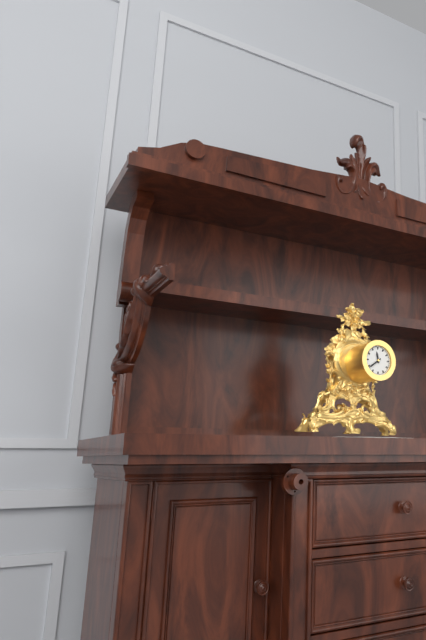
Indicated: **11:39**
